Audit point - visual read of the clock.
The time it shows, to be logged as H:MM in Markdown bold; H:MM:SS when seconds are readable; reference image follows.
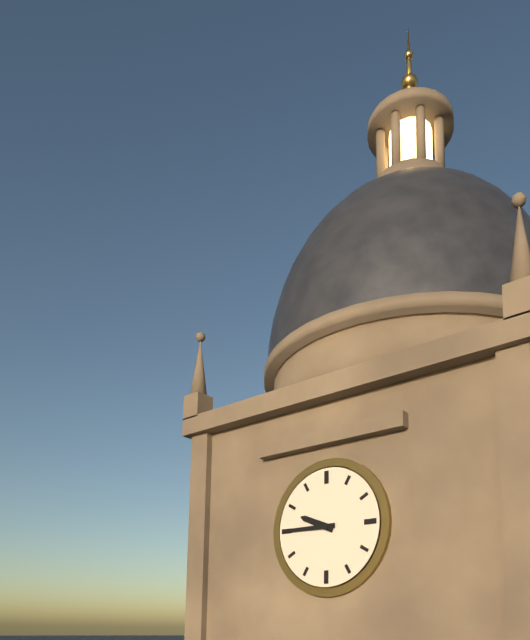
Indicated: **9:45**
